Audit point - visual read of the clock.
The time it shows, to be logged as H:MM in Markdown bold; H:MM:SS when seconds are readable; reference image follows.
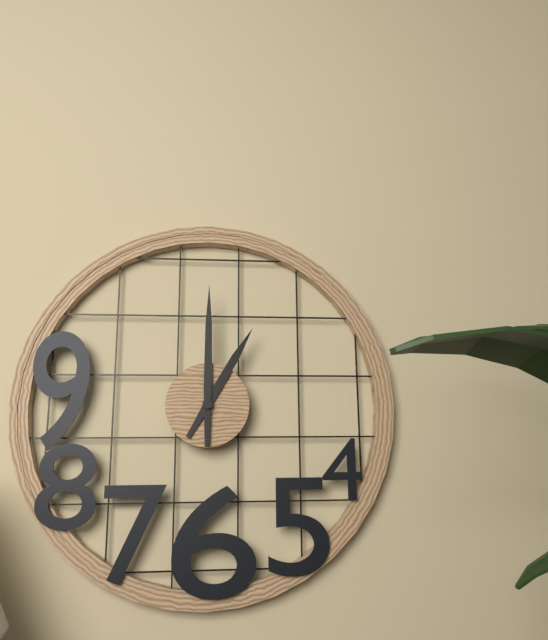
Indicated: **1:00**
